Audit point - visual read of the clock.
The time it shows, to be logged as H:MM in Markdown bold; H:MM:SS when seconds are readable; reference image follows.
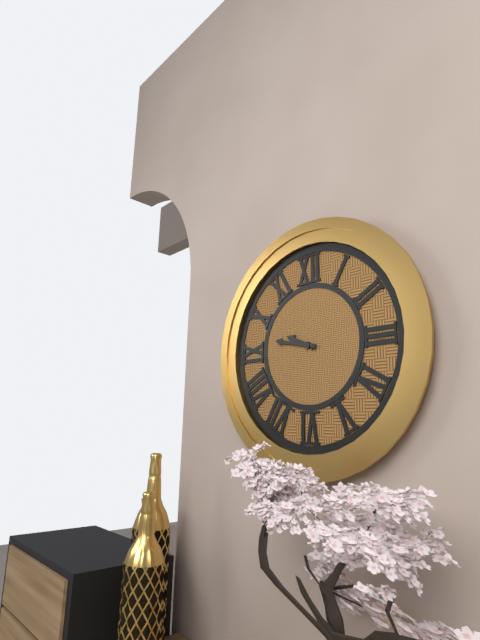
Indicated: **9:47**
